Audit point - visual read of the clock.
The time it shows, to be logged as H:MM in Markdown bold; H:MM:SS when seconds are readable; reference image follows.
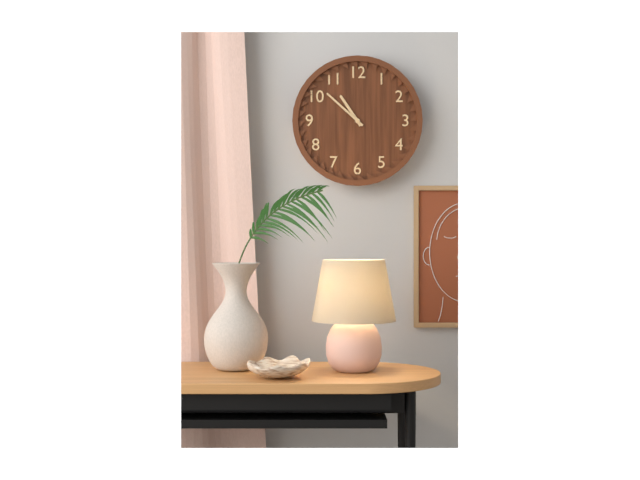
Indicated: **10:52**
